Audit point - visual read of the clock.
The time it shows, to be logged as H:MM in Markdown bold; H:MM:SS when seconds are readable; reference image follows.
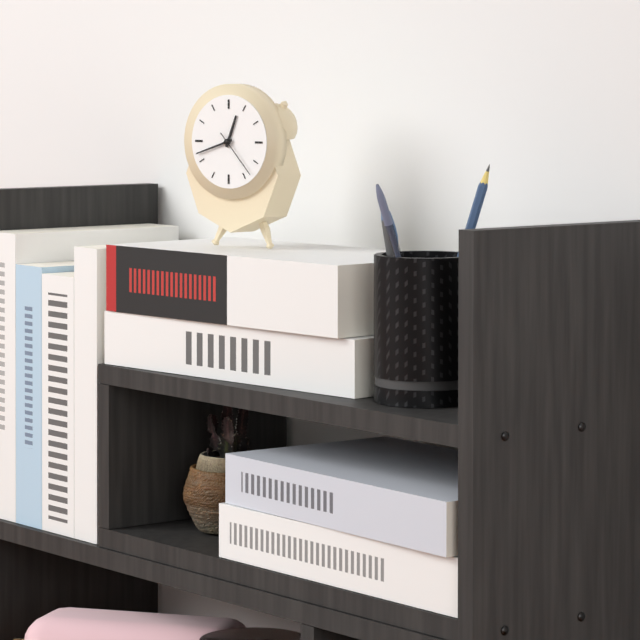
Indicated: **12:42**
